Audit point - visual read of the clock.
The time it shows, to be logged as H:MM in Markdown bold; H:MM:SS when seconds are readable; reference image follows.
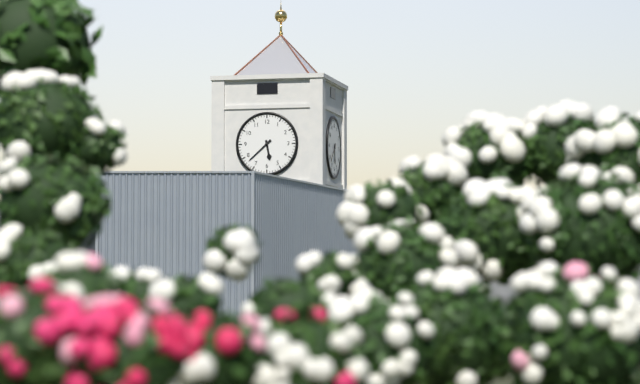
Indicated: **5:38**
